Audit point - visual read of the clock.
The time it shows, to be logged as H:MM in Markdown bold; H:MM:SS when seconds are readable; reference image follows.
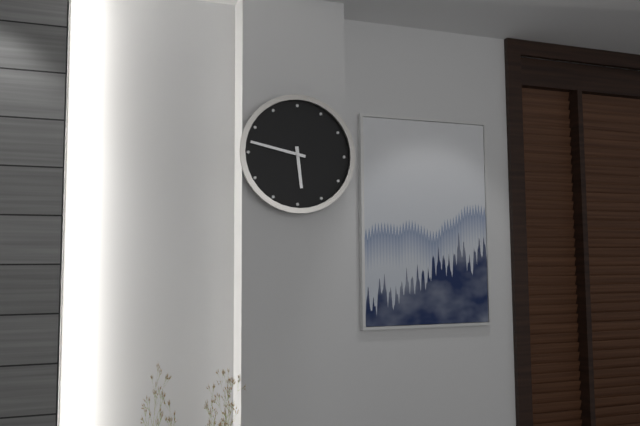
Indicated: **5:47**
